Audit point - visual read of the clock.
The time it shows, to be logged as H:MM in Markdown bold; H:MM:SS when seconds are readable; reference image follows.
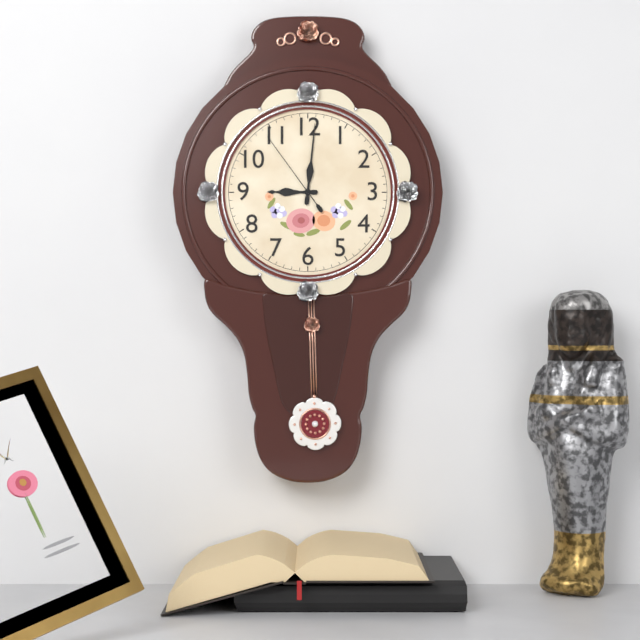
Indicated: **9:01:54**
